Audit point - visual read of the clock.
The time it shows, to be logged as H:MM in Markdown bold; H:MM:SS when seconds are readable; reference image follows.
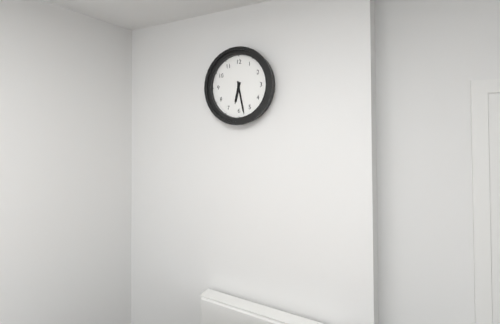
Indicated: **6:28**
